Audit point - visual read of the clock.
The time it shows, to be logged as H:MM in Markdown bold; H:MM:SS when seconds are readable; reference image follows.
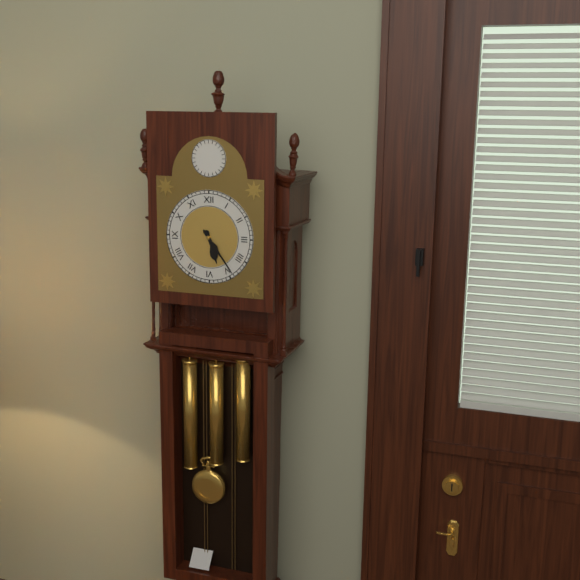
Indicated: **5:24**
